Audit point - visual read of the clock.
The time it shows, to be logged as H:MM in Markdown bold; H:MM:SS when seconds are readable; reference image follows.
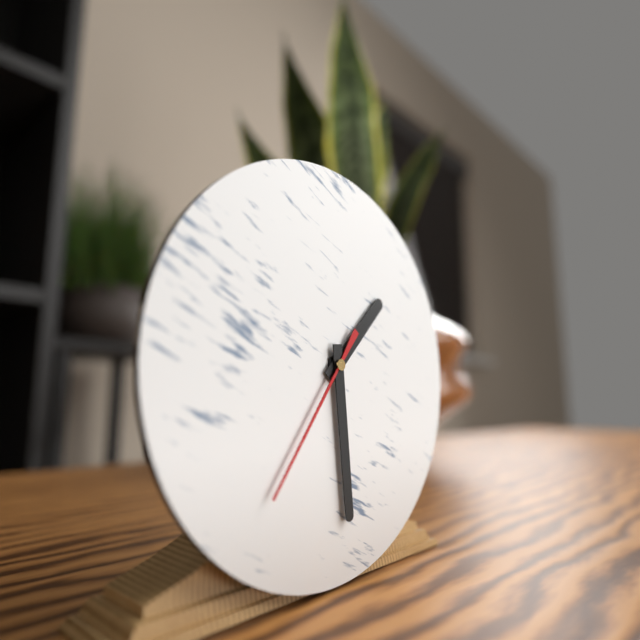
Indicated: **1:29:36**
